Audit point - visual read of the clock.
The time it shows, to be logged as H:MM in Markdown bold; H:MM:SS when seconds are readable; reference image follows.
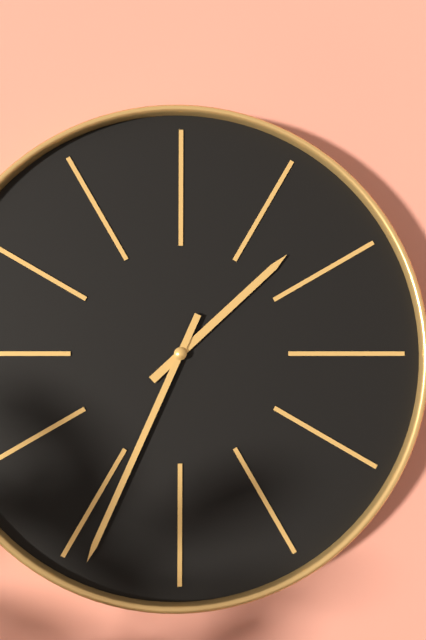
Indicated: **1:34**
